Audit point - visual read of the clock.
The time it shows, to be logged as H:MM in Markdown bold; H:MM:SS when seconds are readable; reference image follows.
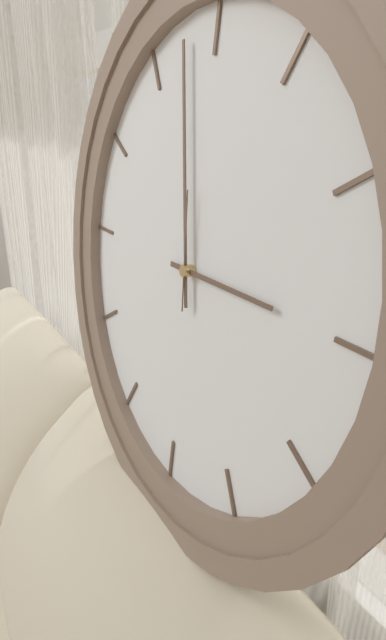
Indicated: **2:58:59**
